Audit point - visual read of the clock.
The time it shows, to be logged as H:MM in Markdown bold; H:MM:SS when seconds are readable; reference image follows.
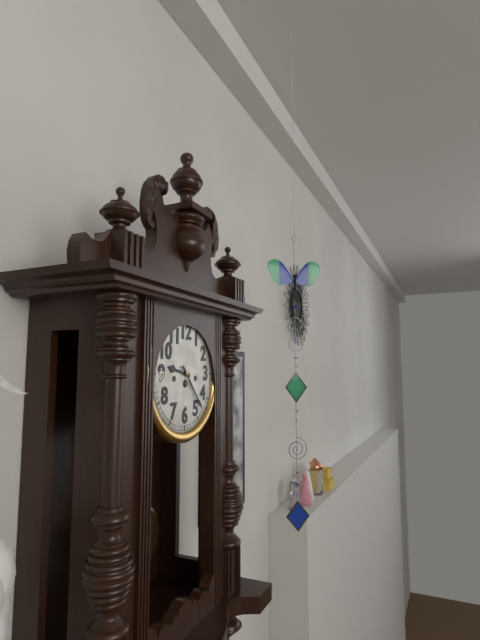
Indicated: **9:23**
